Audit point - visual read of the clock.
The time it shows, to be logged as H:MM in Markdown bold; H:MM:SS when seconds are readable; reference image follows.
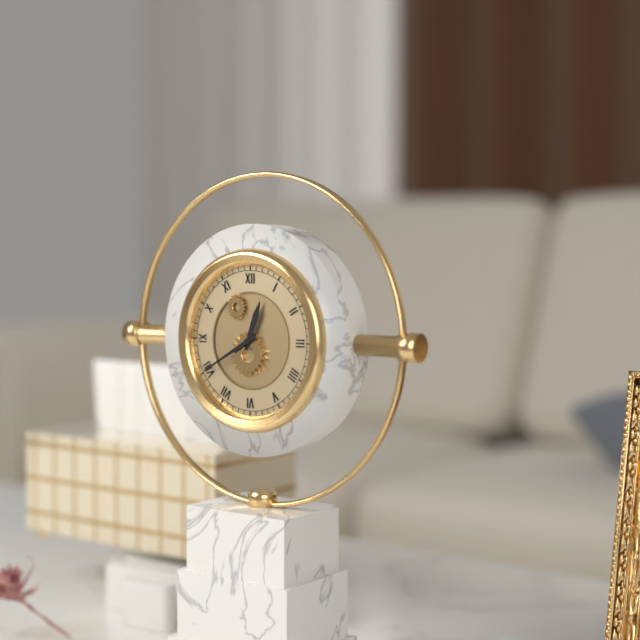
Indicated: **12:40**
